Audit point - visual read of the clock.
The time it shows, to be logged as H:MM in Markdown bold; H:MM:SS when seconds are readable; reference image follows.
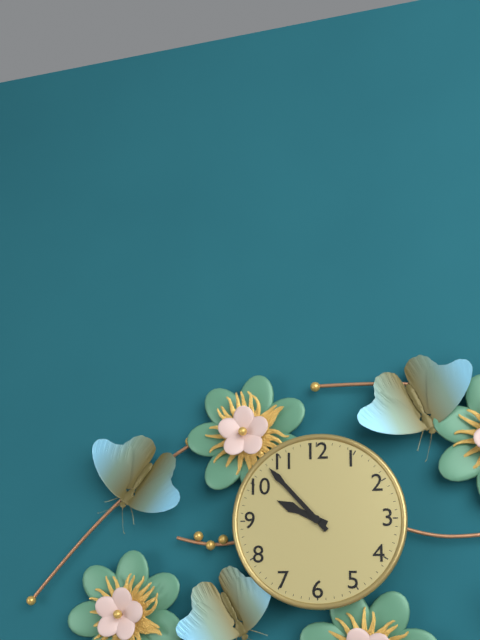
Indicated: **9:53**
